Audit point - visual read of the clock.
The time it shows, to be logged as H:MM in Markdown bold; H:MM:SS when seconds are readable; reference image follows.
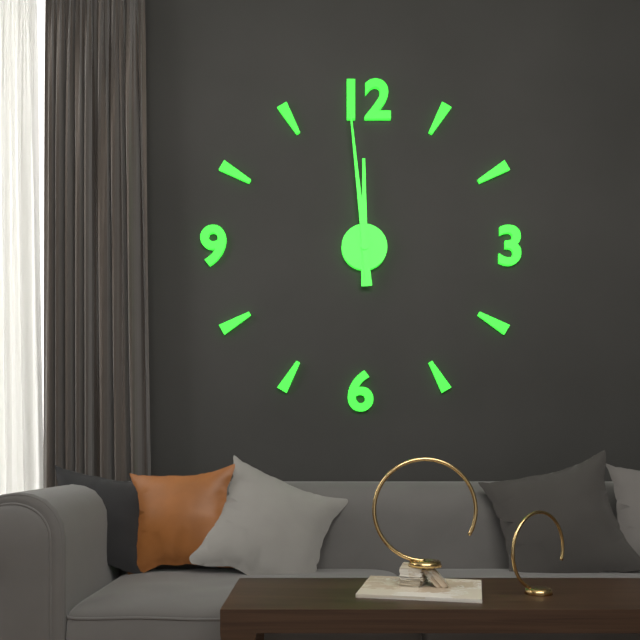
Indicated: **11:59**
